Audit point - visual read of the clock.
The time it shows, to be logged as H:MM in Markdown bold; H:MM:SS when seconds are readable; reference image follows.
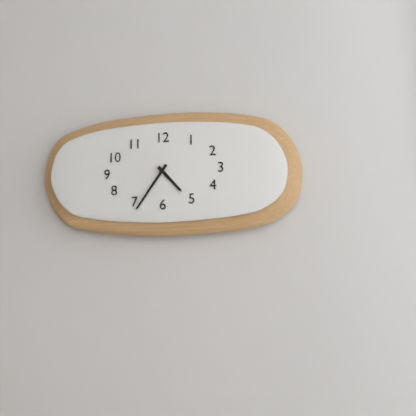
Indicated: **4:36**
